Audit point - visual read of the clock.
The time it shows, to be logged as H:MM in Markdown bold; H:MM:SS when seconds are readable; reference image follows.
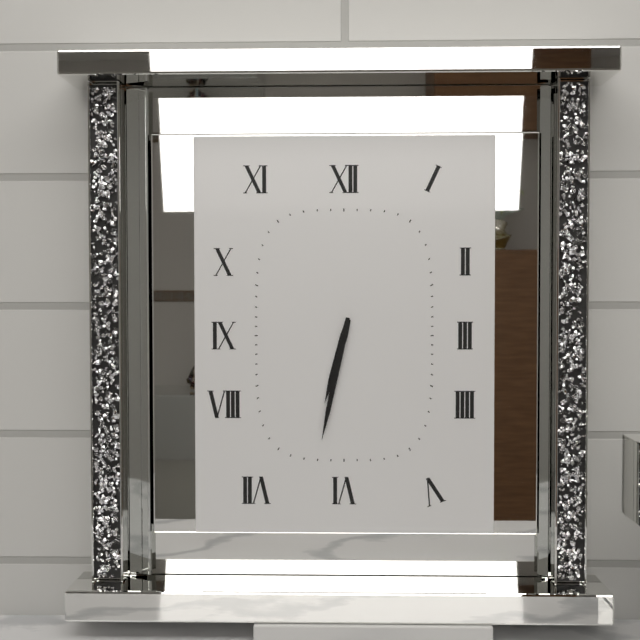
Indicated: **6:32**
